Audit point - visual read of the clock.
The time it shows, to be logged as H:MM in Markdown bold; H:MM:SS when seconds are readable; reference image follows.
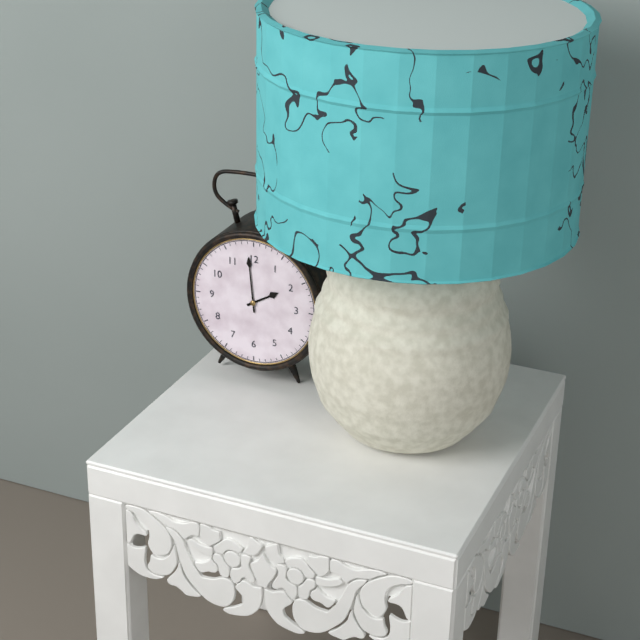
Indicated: **1:59**
